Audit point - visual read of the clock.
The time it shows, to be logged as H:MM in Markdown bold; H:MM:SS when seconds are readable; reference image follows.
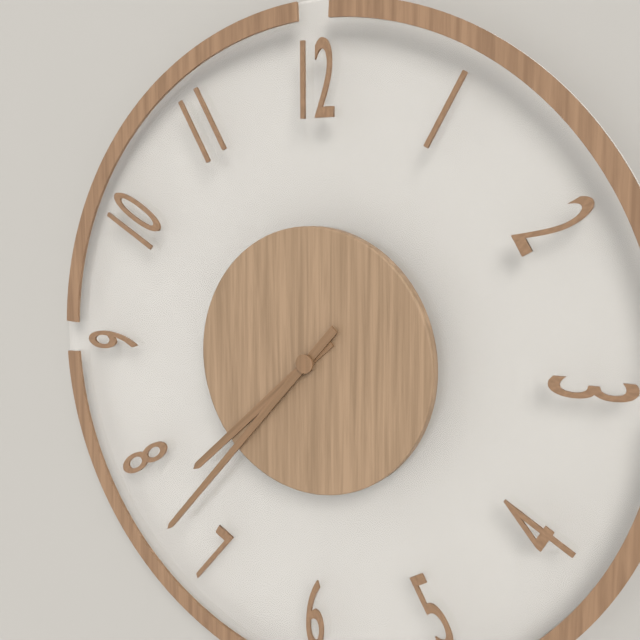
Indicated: **7:37**
